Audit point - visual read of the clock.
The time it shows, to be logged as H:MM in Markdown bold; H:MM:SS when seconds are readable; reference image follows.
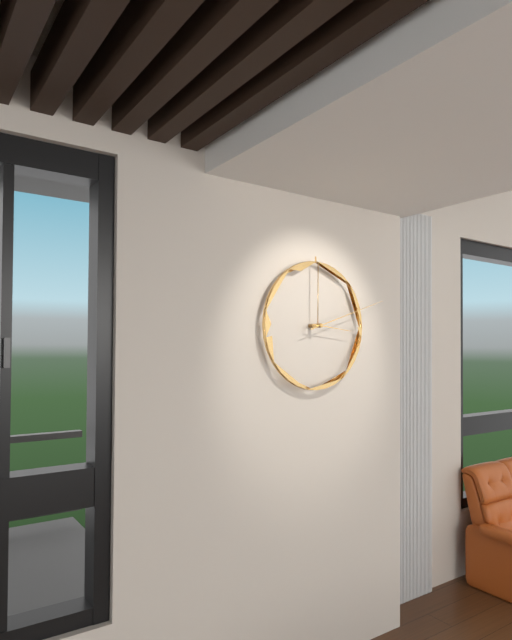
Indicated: **3:12**
